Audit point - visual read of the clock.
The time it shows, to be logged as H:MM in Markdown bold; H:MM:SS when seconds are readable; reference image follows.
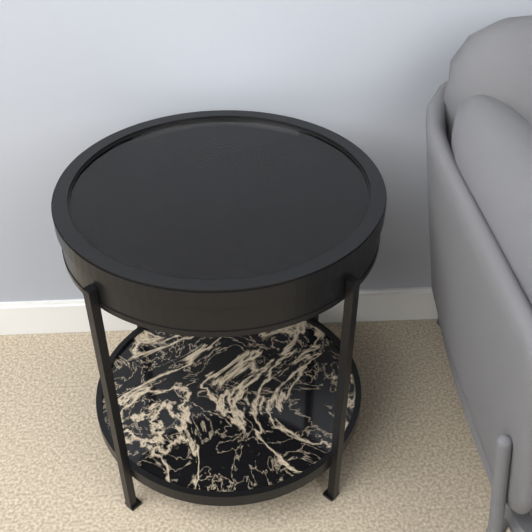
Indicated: **11:22**
